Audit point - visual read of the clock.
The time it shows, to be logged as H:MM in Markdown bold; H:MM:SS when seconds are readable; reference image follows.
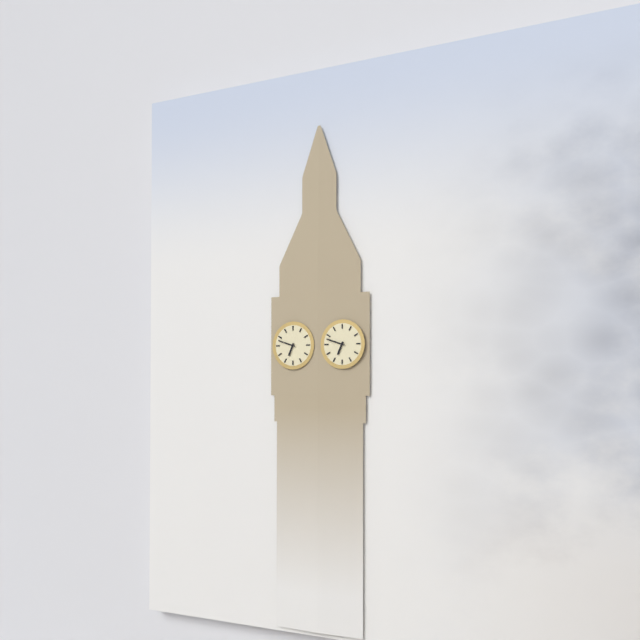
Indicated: **6:48**
